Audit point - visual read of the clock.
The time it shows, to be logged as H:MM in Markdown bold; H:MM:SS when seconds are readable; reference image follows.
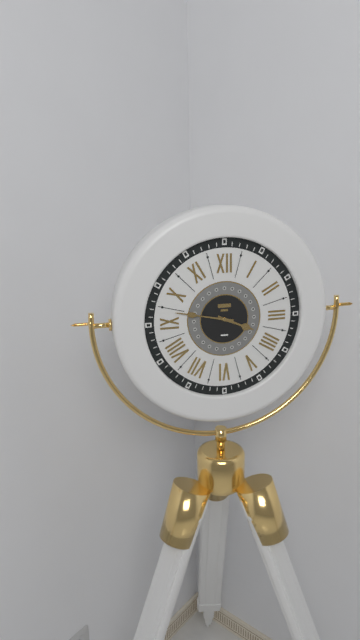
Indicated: **3:47**
